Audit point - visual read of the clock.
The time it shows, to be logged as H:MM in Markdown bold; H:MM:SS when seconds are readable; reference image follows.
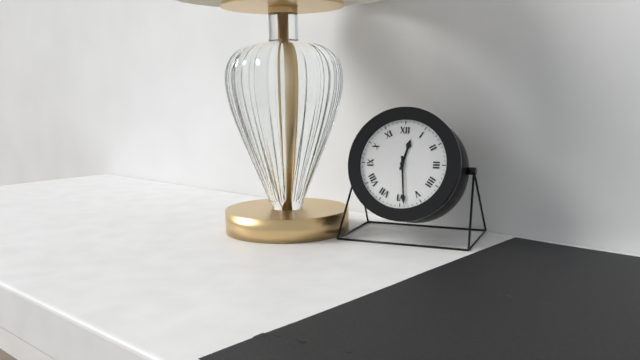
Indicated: **12:29**
